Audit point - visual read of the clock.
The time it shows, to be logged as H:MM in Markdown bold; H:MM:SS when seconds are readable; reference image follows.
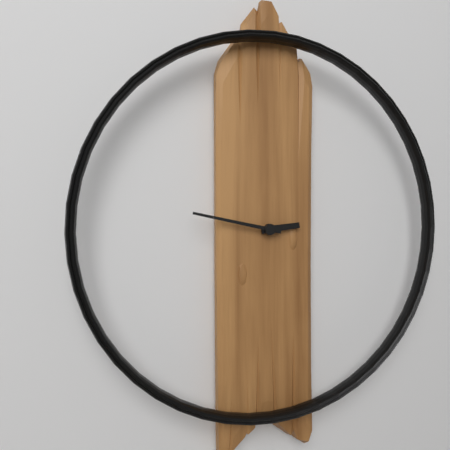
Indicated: **2:47**
